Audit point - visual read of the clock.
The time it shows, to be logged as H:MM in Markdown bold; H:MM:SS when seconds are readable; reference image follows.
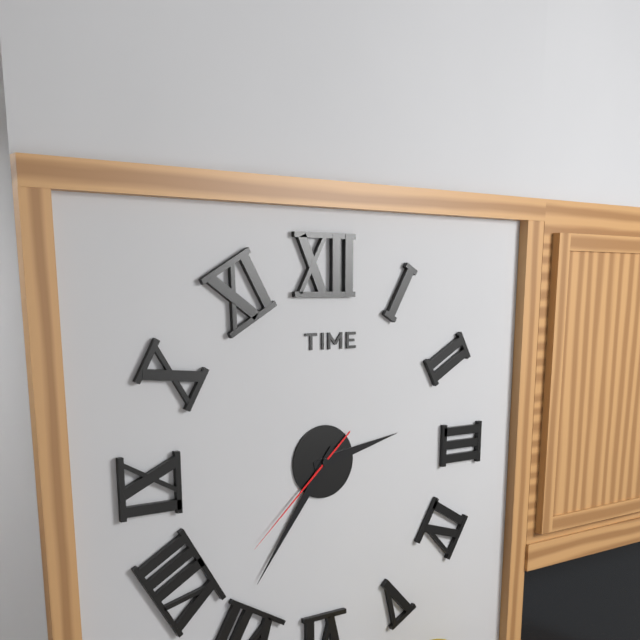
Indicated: **2:36:38**
